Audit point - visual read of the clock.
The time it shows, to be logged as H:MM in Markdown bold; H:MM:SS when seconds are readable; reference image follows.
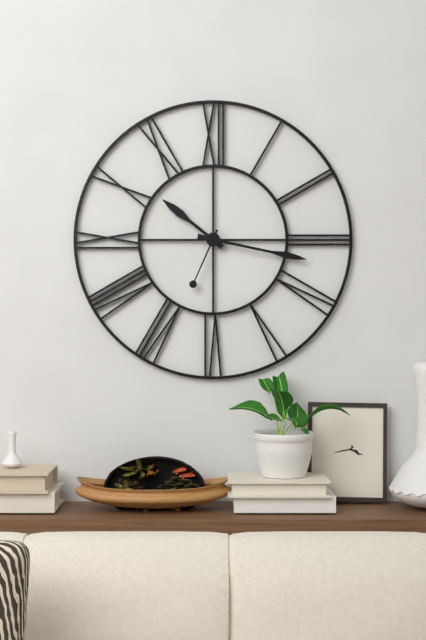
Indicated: **10:17:34**
